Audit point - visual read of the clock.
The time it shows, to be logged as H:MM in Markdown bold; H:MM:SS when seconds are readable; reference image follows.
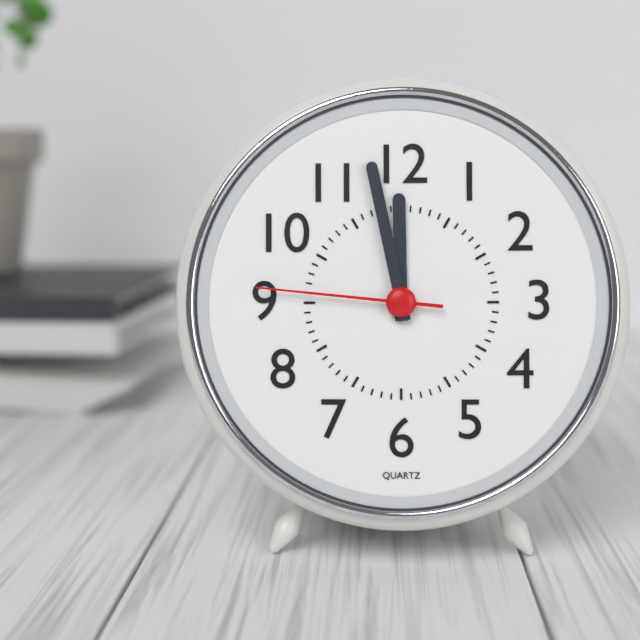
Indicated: **11:58:46**
